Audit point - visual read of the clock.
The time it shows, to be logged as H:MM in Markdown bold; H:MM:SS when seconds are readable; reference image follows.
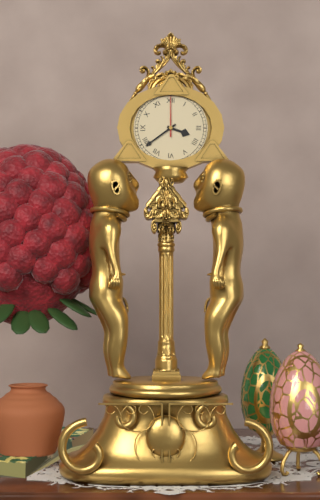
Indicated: **3:39**
